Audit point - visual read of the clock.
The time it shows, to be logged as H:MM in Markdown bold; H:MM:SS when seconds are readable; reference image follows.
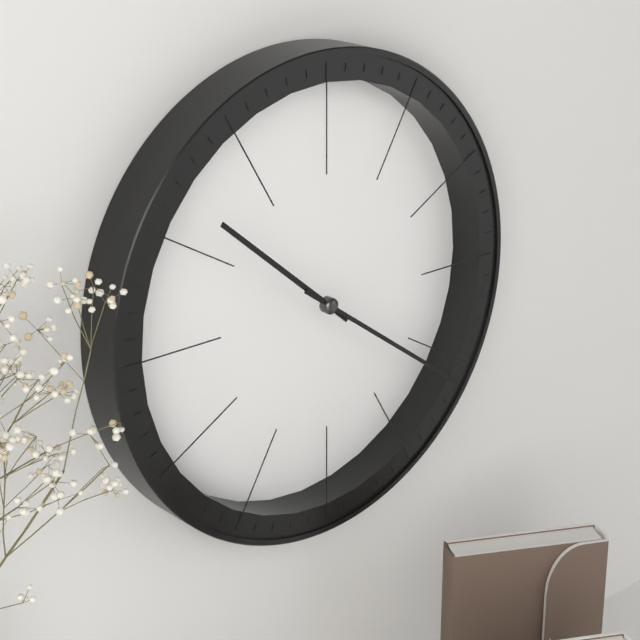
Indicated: **10:21**
